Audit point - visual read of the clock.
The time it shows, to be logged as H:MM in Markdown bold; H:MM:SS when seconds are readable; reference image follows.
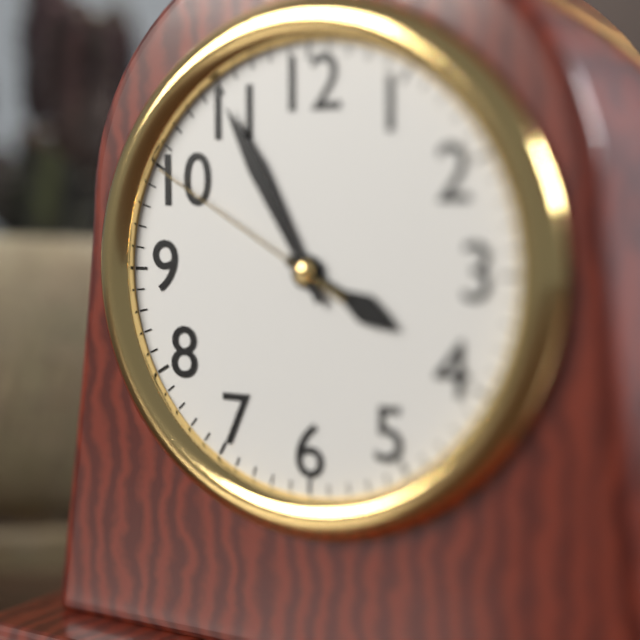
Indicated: **3:55:50**
